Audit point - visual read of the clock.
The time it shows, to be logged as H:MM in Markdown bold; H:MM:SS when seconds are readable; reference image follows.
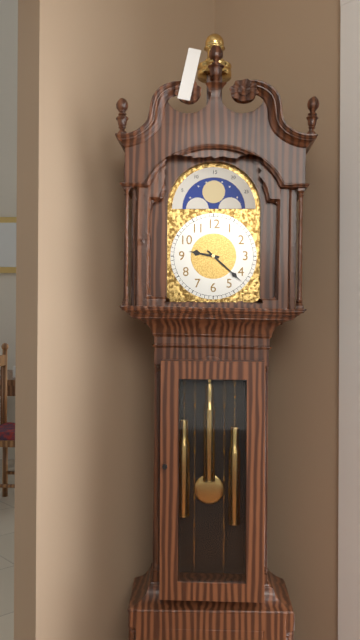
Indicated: **9:22**
